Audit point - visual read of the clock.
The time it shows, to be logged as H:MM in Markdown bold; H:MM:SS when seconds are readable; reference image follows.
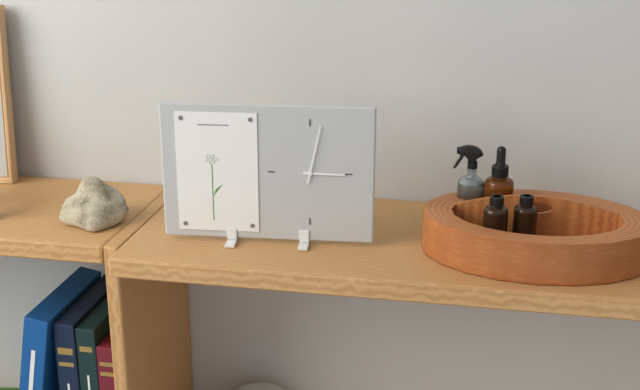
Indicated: **3:02**
